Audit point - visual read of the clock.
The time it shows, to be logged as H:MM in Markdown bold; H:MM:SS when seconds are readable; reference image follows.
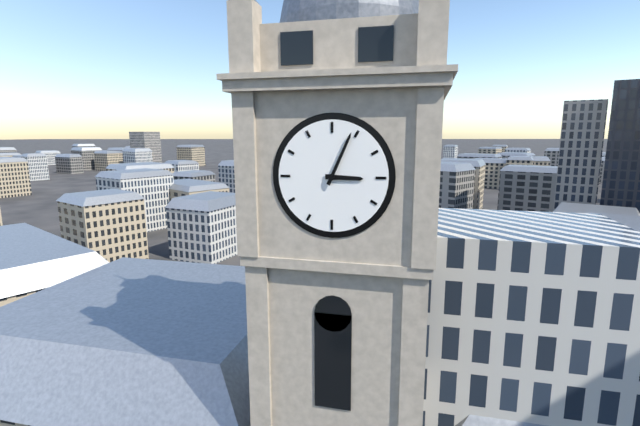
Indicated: **3:04**
